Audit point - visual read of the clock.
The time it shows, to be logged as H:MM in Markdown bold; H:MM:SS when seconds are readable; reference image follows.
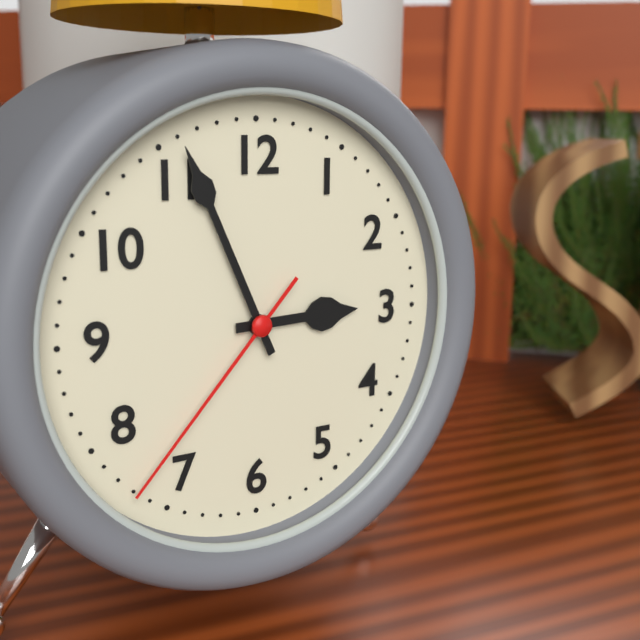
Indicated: **2:56:37**
